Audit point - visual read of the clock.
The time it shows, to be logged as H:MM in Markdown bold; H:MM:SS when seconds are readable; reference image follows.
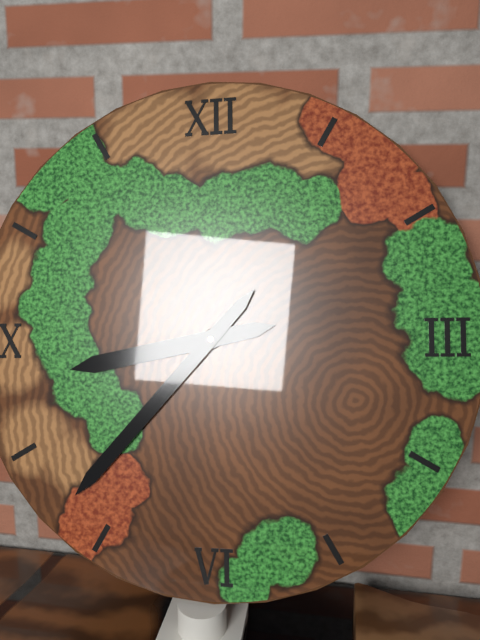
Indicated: **8:37**
